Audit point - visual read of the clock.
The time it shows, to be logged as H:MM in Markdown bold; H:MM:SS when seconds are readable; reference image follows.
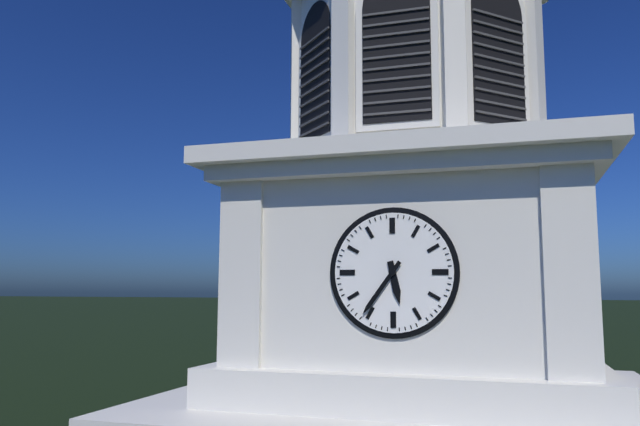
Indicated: **5:36**
